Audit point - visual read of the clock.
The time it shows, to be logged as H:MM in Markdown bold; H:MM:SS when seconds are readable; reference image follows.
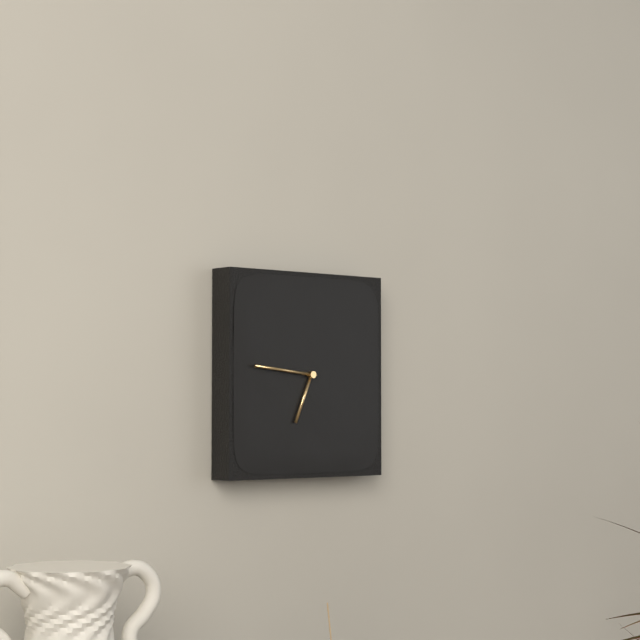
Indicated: **6:46**
